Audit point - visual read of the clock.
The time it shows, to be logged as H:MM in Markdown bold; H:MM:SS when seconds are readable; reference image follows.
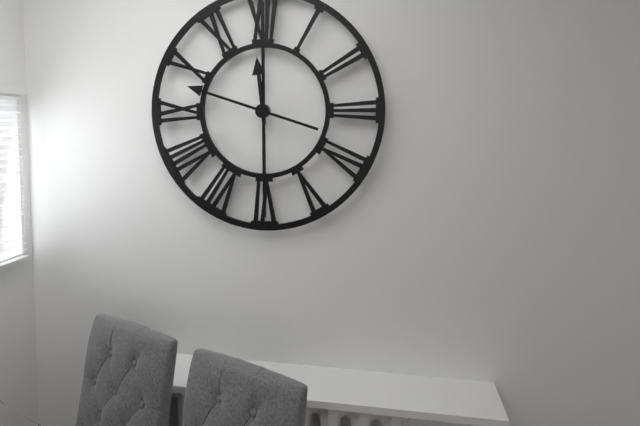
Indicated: **11:48**
